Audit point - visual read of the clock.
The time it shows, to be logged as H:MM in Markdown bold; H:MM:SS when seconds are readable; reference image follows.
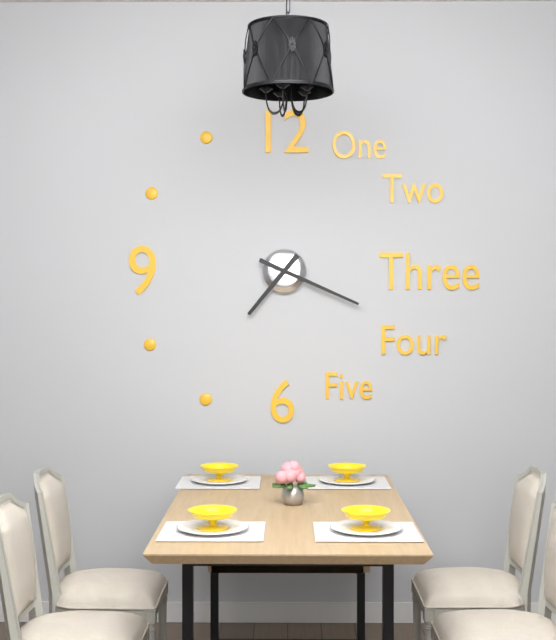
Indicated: **7:19**
